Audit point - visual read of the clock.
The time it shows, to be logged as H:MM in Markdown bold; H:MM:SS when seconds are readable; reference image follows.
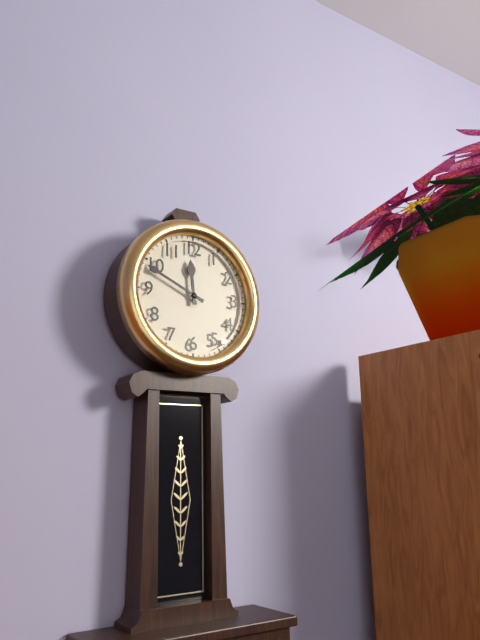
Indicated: **11:49**
